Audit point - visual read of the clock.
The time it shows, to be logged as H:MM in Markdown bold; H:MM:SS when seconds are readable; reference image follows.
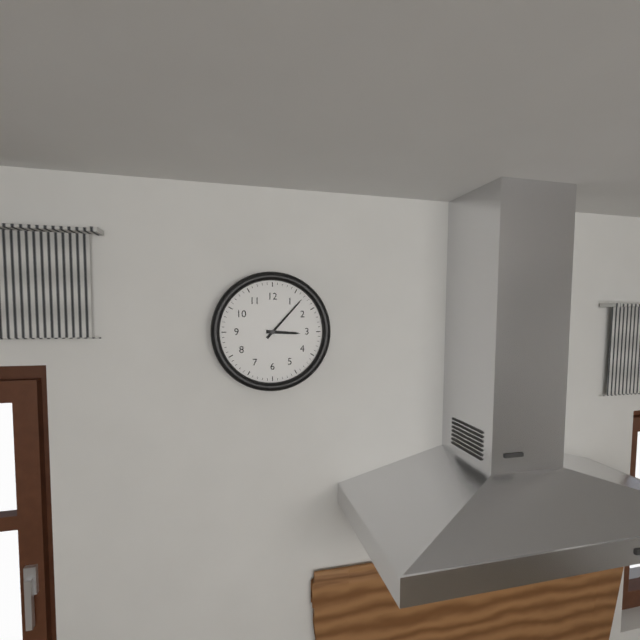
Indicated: **3:07**
